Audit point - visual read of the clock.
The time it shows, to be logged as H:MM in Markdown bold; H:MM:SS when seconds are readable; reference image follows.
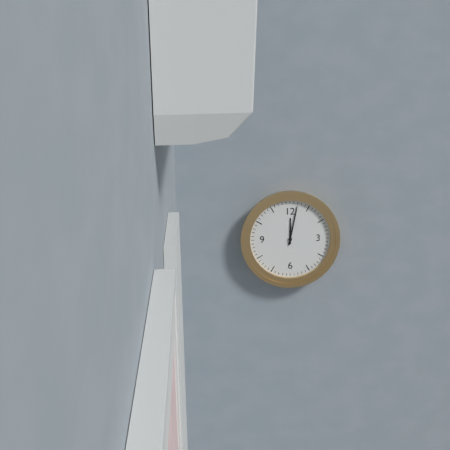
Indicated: **12:02**
